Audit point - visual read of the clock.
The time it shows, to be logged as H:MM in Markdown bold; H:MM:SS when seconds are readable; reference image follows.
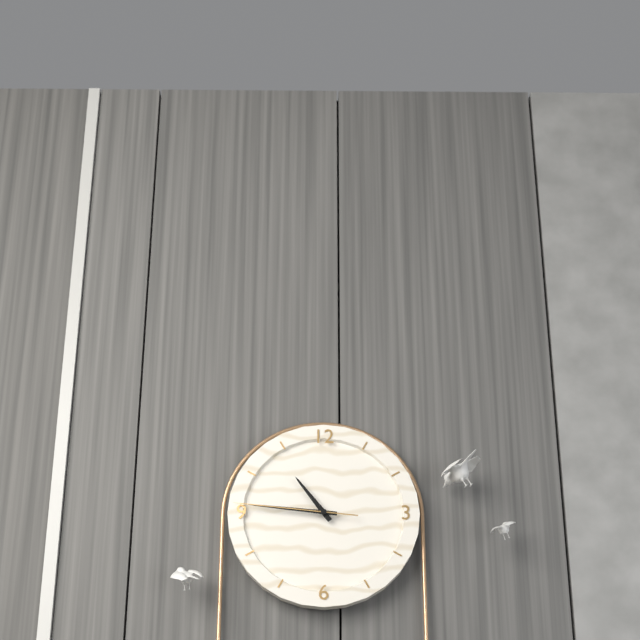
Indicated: **10:46:46**
